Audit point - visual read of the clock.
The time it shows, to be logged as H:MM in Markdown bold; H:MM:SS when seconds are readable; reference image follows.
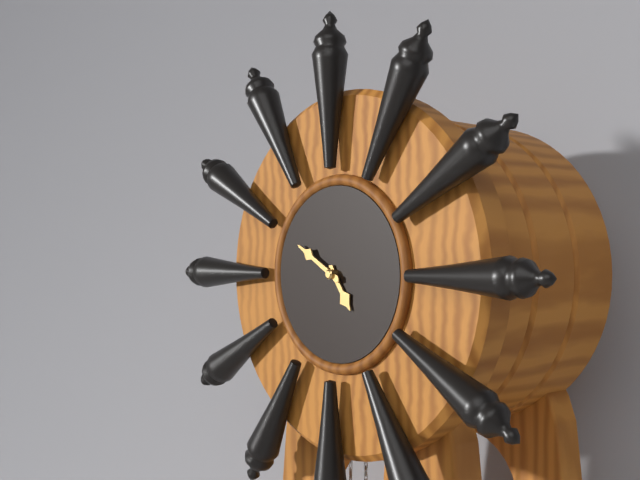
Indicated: **4:50**
